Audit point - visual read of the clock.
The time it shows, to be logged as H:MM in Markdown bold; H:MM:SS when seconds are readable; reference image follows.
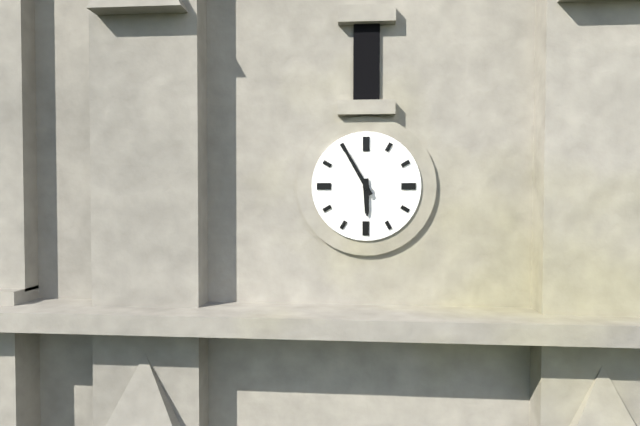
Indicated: **5:55**
